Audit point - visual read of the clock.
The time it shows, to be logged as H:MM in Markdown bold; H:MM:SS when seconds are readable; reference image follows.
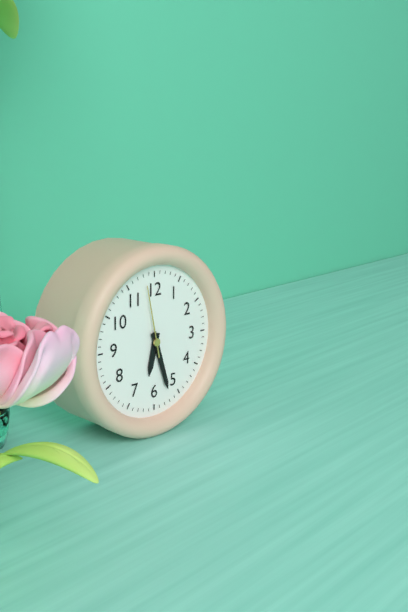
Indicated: **6:27:58**
